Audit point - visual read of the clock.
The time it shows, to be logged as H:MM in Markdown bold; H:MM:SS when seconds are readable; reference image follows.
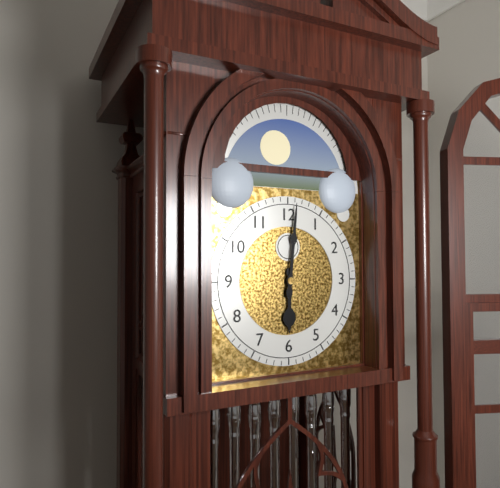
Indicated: **6:01**
